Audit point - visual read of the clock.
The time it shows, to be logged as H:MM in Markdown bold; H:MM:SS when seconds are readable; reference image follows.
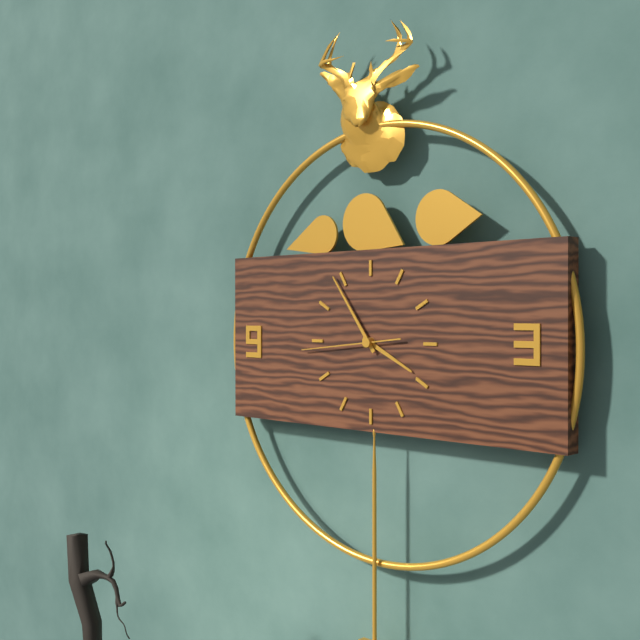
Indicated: **3:54:44**
